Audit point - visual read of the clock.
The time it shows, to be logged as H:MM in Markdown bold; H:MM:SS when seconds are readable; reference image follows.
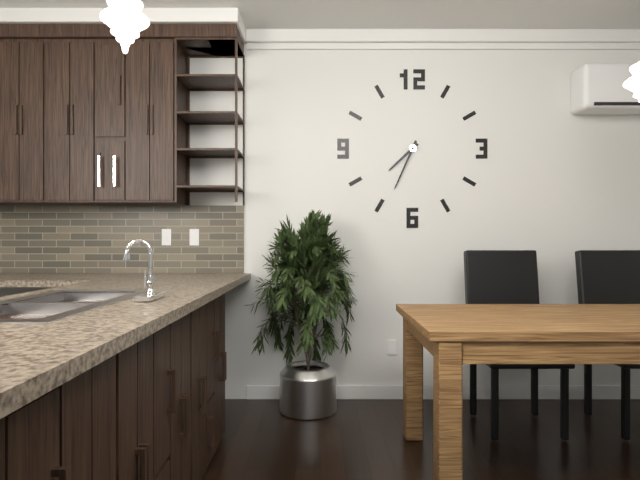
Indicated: **7:34**
